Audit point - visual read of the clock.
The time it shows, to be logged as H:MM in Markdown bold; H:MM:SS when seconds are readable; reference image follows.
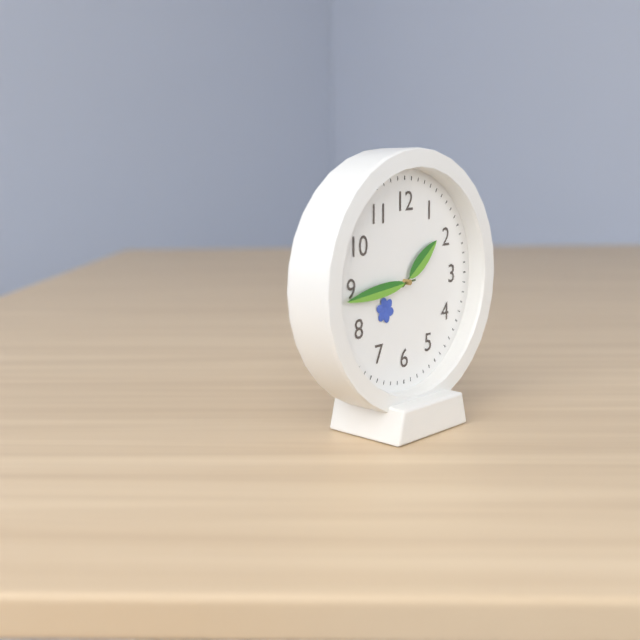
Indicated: **1:44**
